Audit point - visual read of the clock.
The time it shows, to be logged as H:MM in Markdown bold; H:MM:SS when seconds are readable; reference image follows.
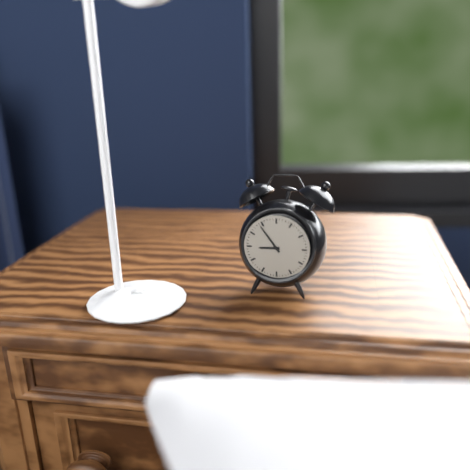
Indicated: **8:54**
